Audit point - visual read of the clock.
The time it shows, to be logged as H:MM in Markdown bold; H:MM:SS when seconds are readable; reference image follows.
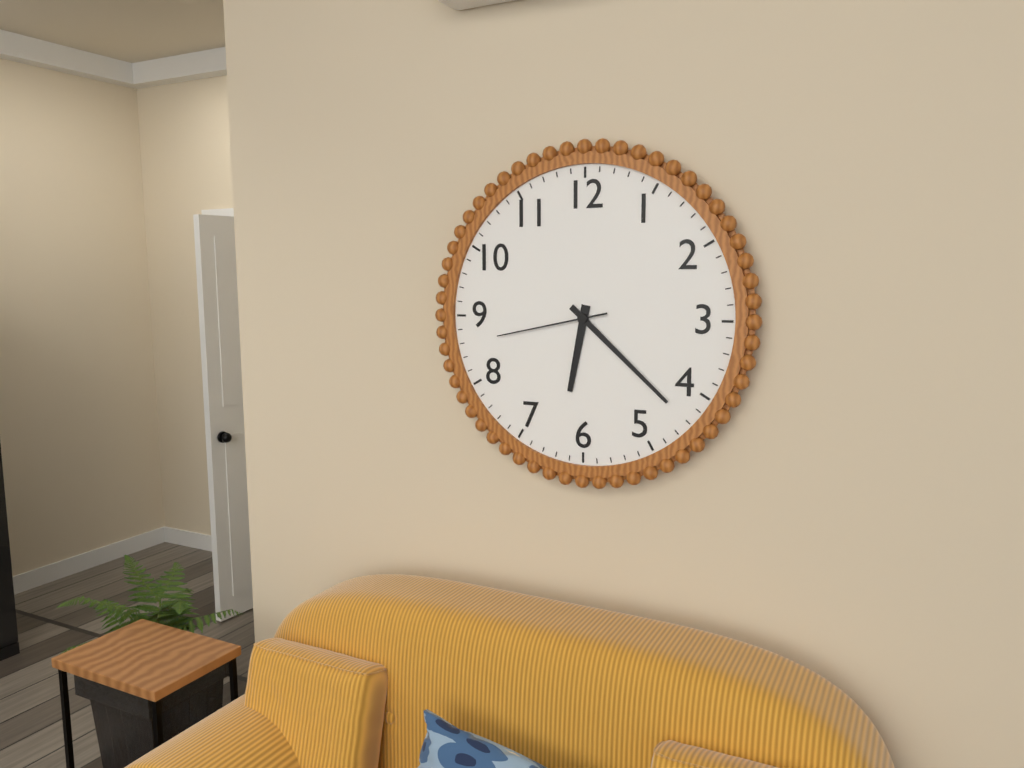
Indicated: **6:22:43**
